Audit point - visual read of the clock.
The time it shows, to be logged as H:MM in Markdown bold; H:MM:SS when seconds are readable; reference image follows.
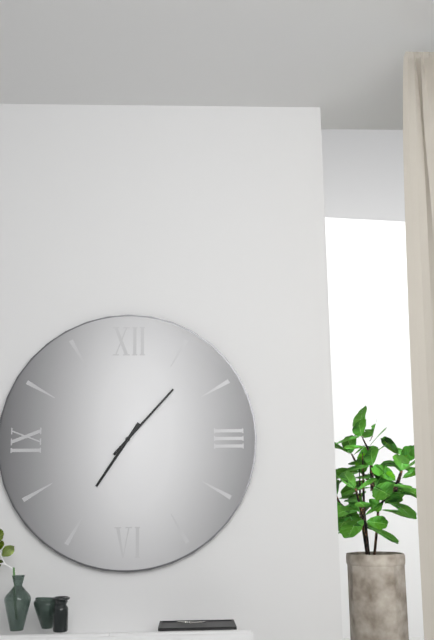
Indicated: **7:07**
